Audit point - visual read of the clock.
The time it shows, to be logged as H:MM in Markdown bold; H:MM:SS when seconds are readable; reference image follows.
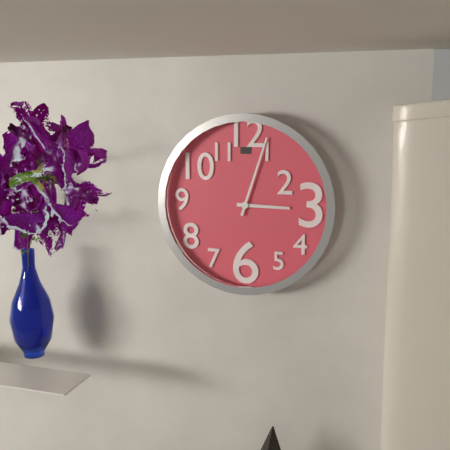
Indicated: **3:03**
